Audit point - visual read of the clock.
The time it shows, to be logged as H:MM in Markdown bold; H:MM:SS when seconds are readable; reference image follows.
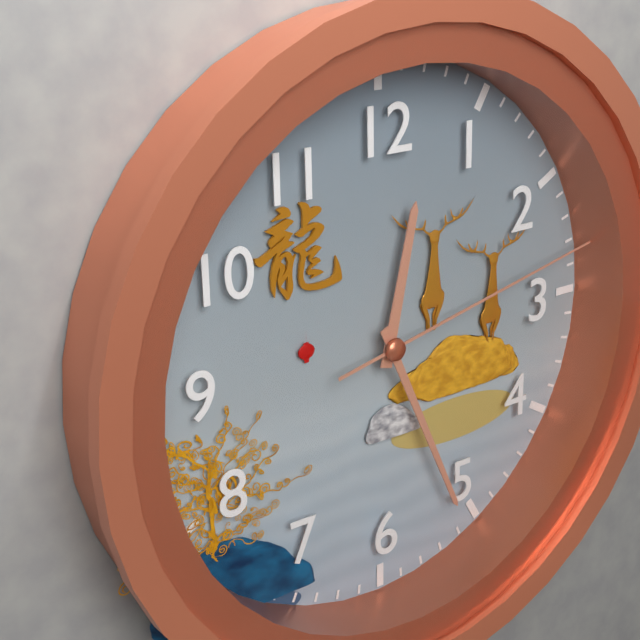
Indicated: **12:26:13**
